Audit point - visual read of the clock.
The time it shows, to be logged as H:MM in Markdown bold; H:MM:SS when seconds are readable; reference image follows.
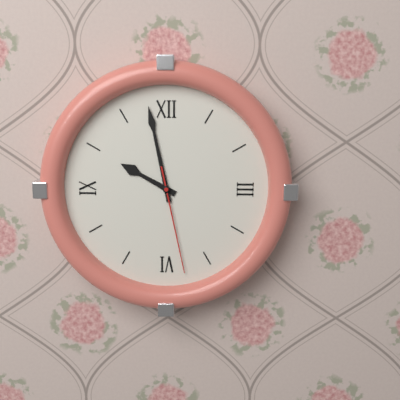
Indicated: **9:58:28**
